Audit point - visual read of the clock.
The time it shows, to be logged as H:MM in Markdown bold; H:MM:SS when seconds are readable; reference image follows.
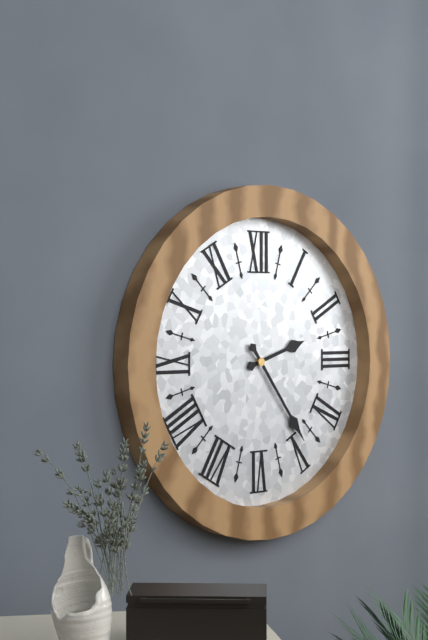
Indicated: **2:24**
